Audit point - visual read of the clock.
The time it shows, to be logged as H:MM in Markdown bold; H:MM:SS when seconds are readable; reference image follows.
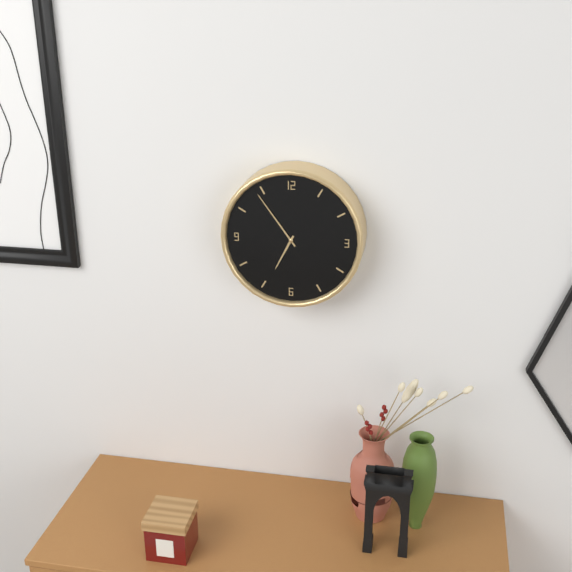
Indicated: **6:54**
